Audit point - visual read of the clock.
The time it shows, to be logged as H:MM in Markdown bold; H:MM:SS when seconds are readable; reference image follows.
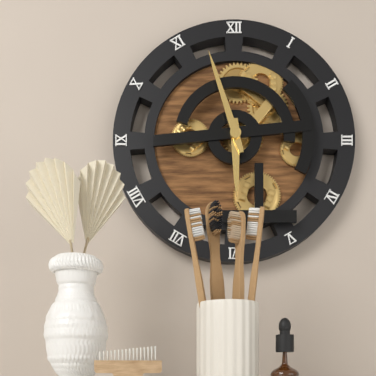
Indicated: **5:57**
